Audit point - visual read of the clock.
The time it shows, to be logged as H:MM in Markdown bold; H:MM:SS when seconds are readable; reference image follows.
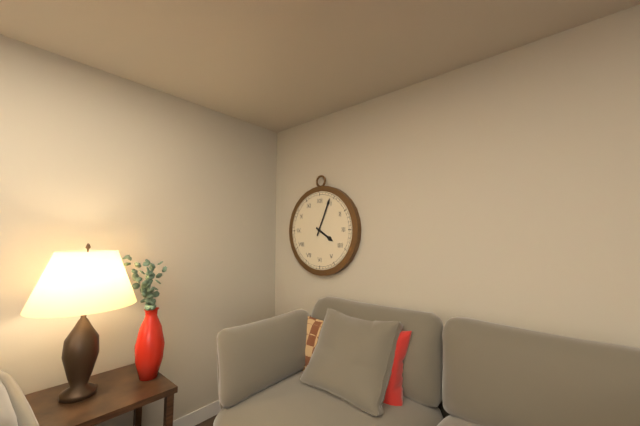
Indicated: **4:04**
